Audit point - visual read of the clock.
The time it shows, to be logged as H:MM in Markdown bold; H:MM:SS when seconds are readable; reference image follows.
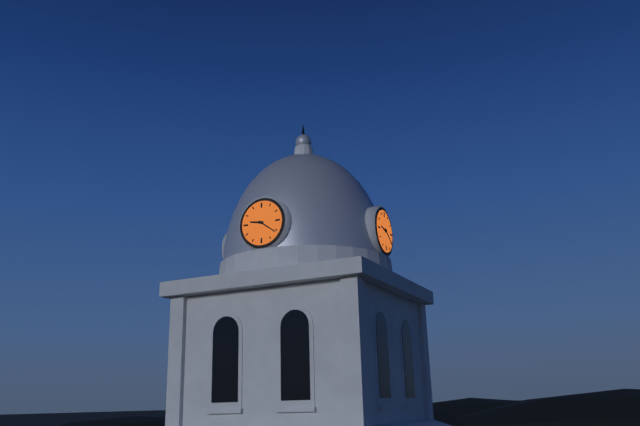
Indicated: **9:21**
